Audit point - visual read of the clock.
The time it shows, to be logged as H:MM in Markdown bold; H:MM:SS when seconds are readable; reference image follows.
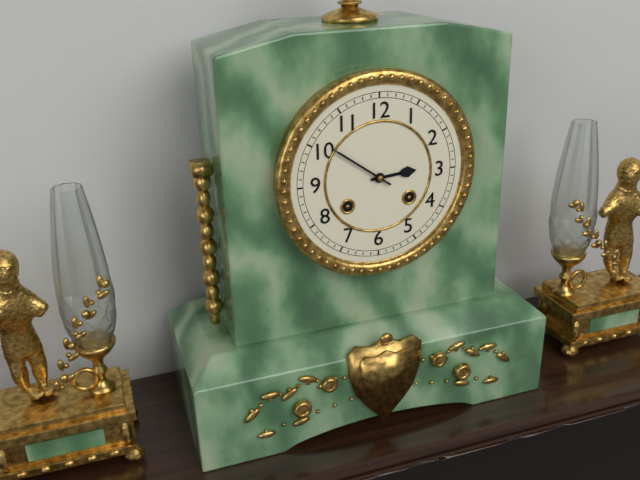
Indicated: **2:51**
